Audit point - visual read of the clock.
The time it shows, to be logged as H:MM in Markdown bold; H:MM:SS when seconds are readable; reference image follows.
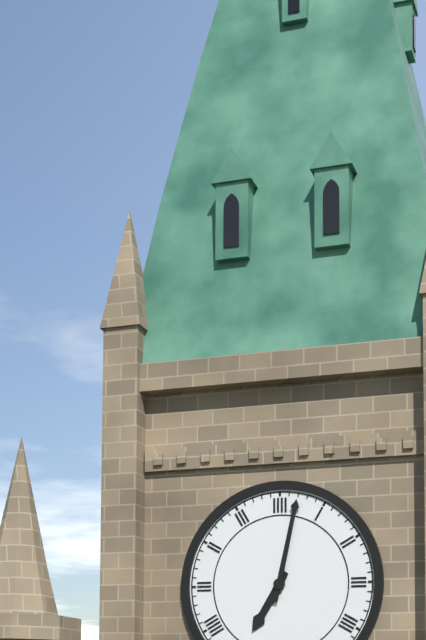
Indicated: **7:02**
